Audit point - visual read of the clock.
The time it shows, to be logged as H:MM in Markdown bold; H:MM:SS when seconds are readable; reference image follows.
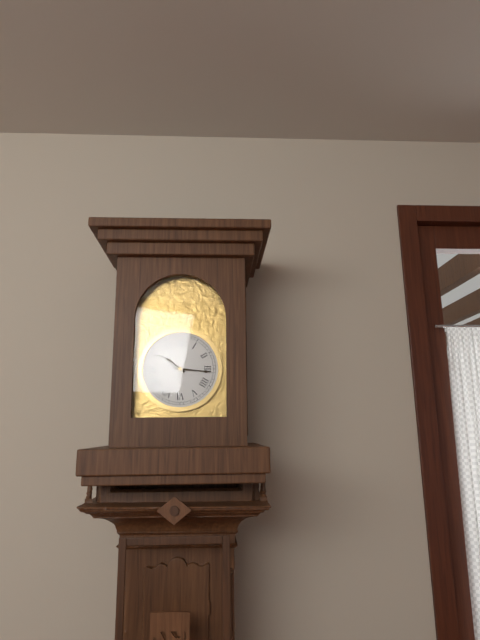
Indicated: **10:16**
